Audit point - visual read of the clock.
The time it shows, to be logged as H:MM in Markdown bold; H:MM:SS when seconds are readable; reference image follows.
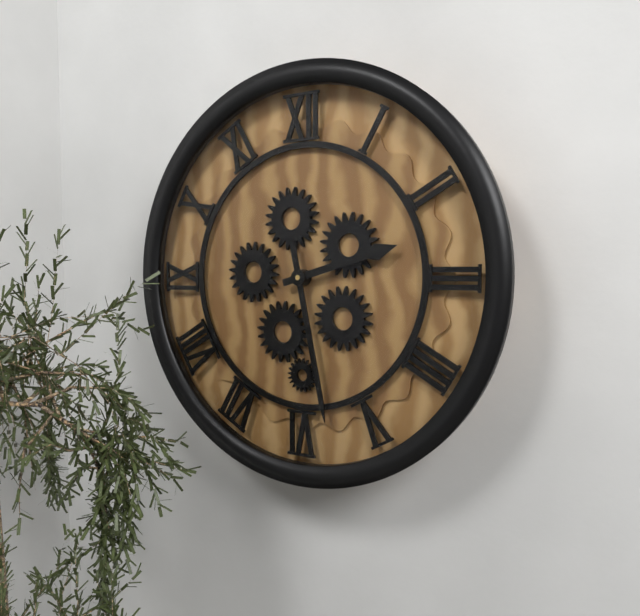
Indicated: **2:28**
